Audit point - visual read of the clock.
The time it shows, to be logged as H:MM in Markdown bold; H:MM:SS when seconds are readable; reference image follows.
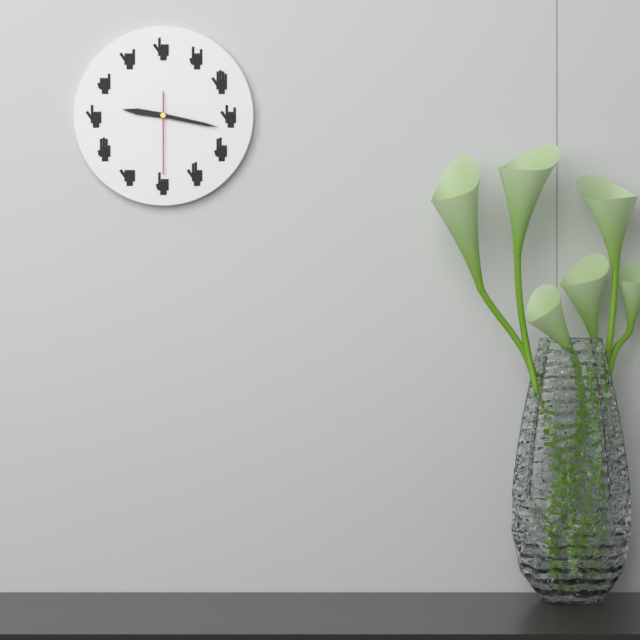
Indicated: **9:17:30**
